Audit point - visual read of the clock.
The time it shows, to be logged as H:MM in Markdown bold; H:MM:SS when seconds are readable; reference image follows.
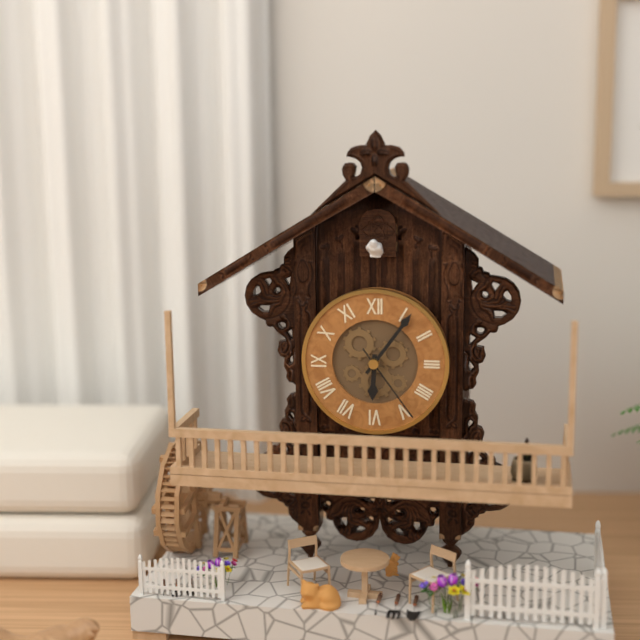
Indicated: **6:06:24**
